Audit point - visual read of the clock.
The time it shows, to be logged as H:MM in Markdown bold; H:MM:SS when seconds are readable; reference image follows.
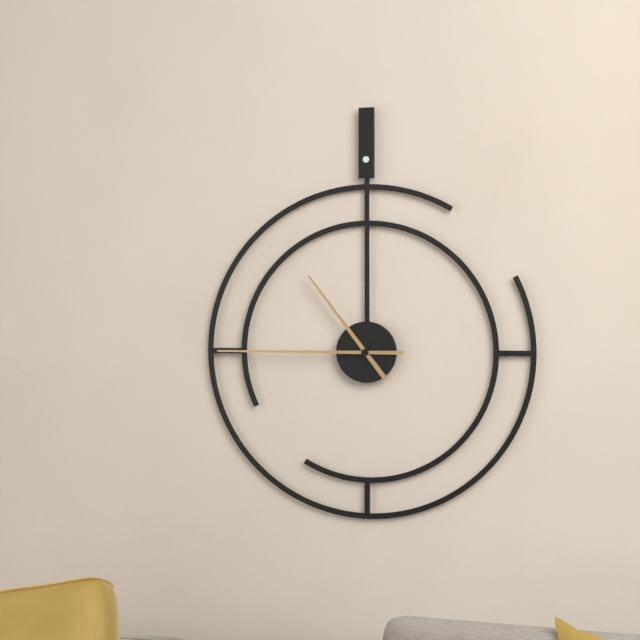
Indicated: **10:45**
